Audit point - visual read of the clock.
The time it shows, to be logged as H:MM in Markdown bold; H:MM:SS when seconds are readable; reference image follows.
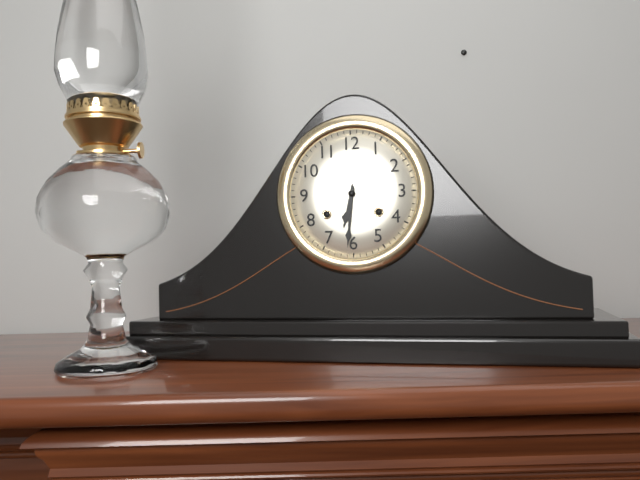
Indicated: **6:31**
